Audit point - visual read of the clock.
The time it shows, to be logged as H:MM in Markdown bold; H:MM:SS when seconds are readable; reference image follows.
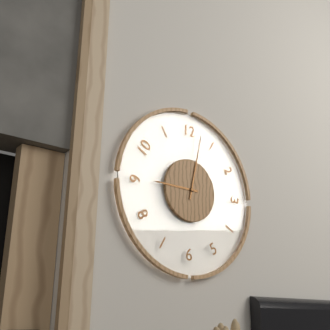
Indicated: **9:02**
